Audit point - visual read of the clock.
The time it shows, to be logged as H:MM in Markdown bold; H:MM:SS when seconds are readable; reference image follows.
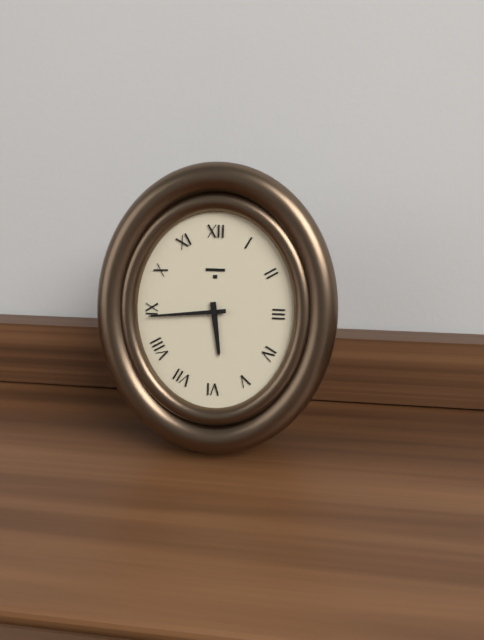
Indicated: **5:44**
